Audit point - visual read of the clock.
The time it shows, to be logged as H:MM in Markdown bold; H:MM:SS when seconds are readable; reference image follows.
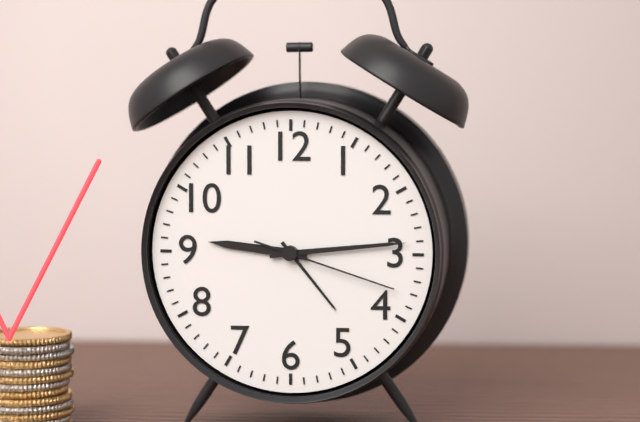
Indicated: **9:14:18**
